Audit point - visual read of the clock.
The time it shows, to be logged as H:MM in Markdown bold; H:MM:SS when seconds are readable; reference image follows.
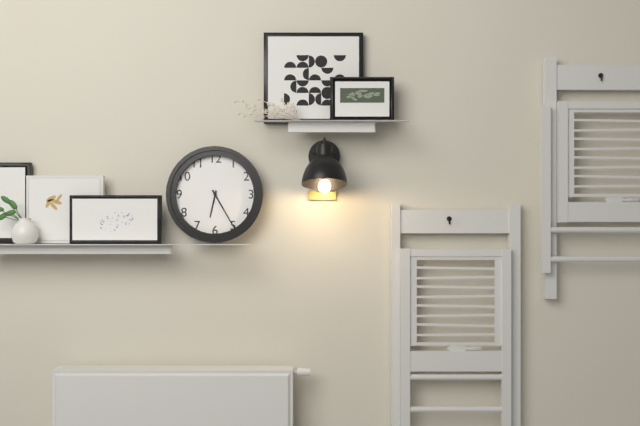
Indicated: **6:25**
